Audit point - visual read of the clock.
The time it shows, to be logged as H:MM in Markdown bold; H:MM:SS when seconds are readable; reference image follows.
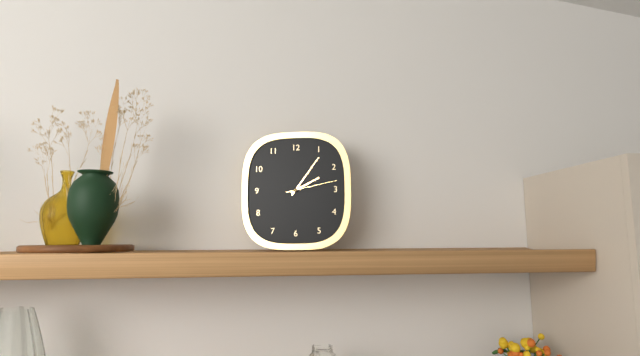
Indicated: **2:06:13**
